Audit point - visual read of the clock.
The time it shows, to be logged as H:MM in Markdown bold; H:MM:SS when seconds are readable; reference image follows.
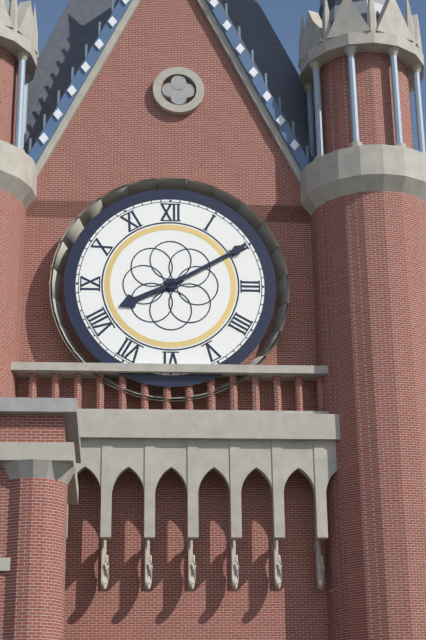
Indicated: **8:10**
